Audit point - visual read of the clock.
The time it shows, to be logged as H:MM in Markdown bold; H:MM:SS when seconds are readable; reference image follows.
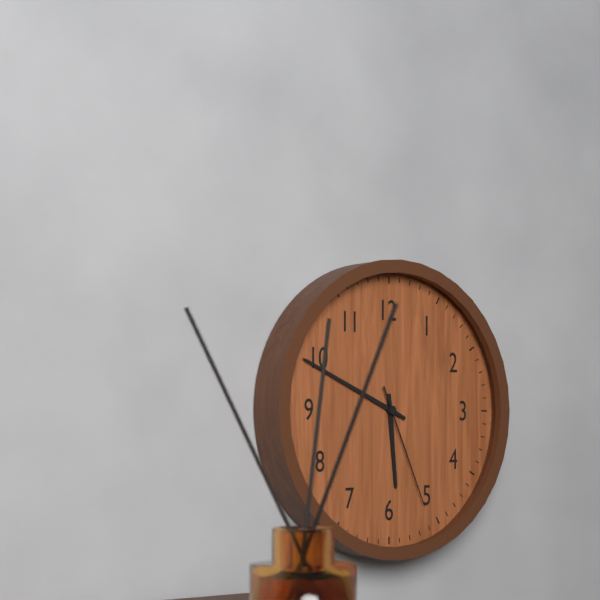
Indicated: **5:49:26**
